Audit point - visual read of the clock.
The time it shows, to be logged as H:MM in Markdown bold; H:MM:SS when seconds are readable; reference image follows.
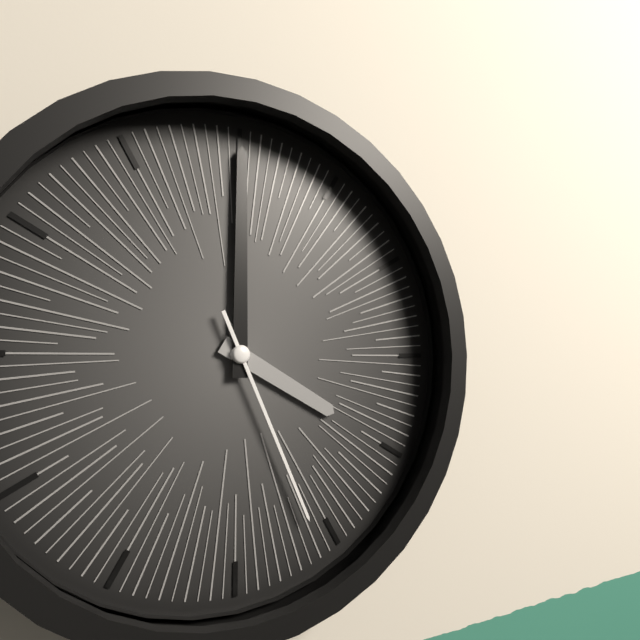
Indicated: **4:00:26**
